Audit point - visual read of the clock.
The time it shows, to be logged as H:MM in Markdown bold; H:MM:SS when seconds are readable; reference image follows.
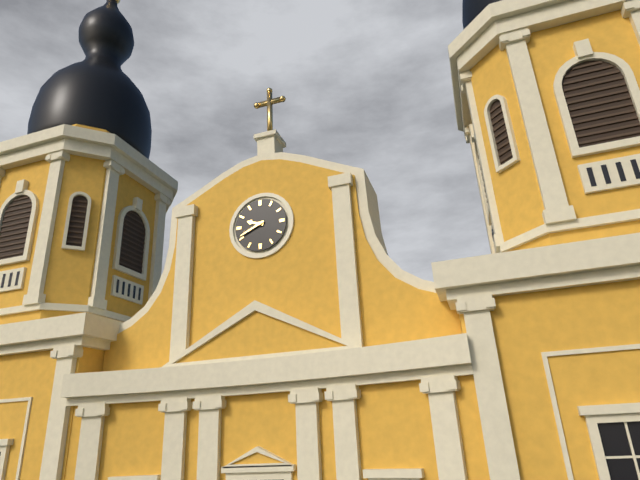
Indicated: **9:41**
